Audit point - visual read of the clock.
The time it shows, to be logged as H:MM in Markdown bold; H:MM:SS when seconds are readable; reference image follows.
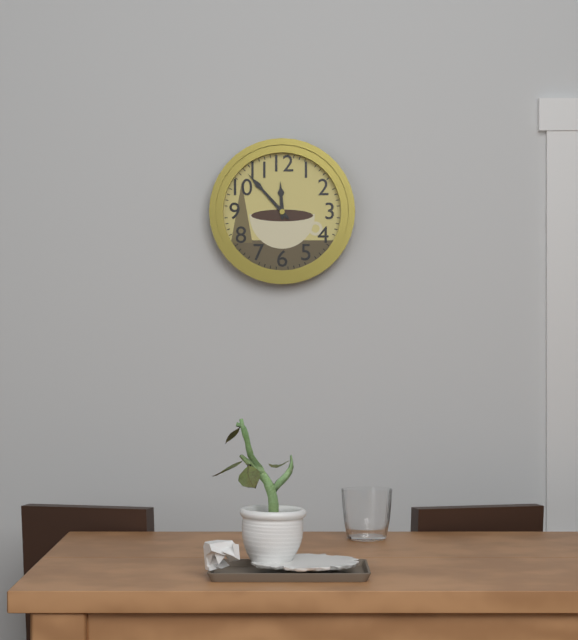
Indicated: **11:53**
